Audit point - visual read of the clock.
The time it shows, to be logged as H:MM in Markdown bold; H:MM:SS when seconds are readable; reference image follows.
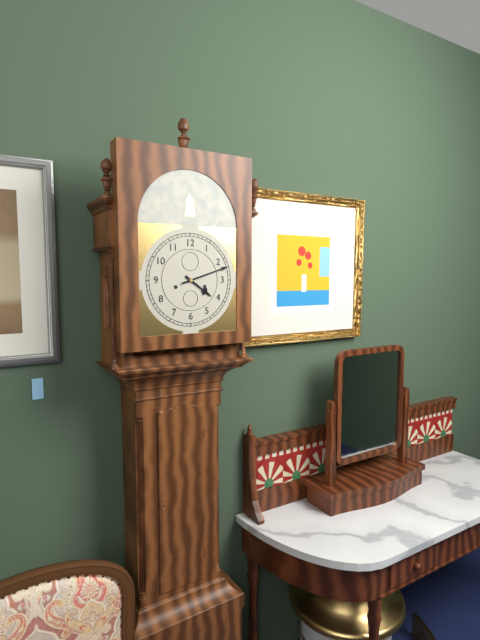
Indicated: **4:12**
